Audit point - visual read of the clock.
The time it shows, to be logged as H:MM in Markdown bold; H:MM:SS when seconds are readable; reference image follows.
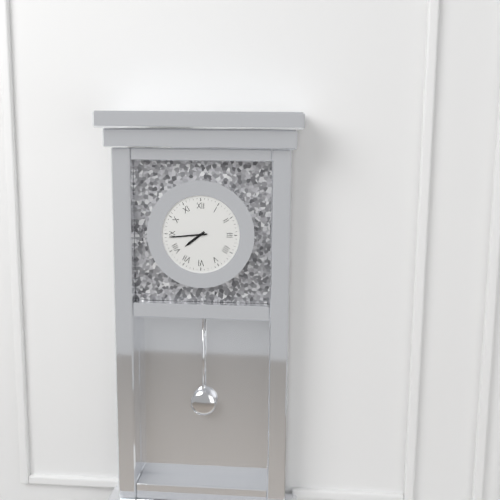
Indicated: **7:44**
